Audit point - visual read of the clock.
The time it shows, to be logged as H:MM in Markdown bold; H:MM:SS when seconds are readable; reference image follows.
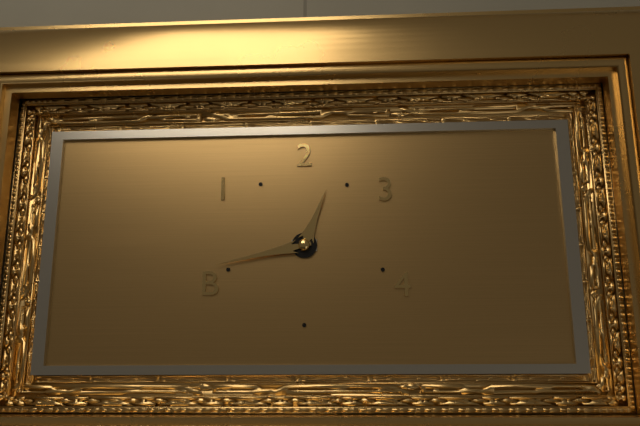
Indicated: **12:43**
